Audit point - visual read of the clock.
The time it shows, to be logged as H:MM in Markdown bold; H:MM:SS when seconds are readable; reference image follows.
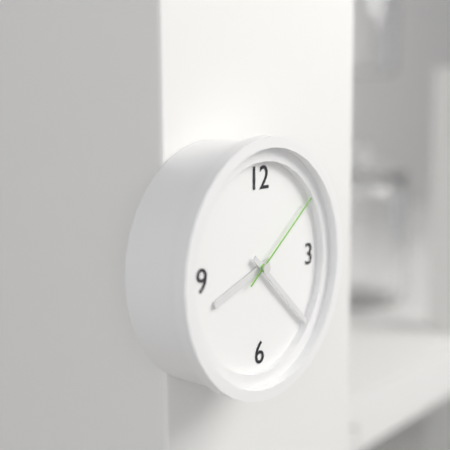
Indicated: **8:22:09**
